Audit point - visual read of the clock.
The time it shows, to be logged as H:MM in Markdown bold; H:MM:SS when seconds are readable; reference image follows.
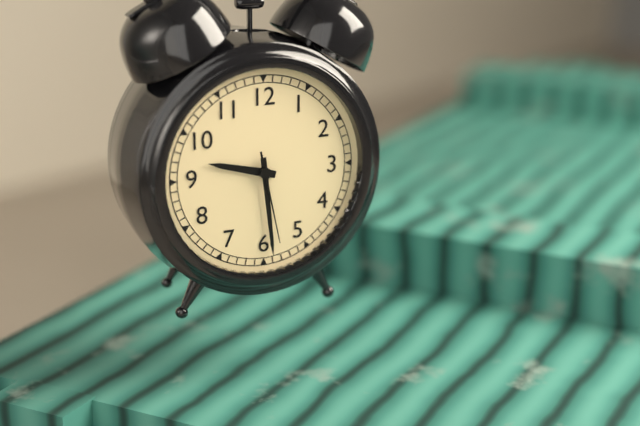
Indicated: **9:29:28**
